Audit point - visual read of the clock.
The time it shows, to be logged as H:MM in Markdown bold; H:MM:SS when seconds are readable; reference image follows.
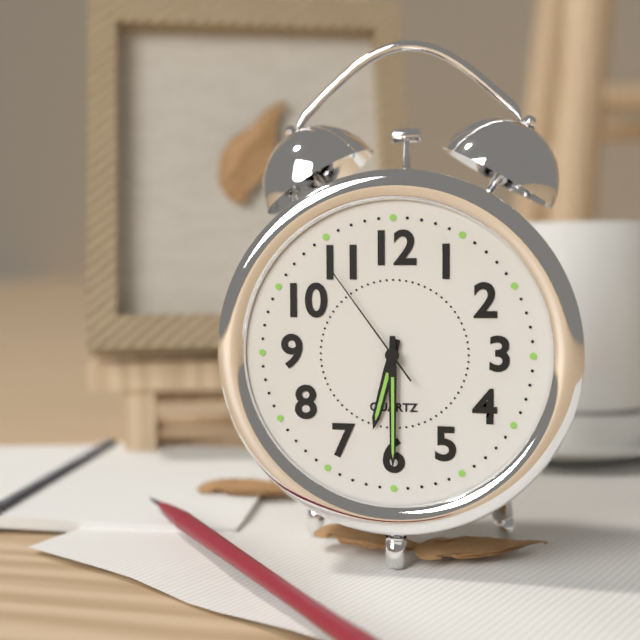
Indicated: **6:30:54**
